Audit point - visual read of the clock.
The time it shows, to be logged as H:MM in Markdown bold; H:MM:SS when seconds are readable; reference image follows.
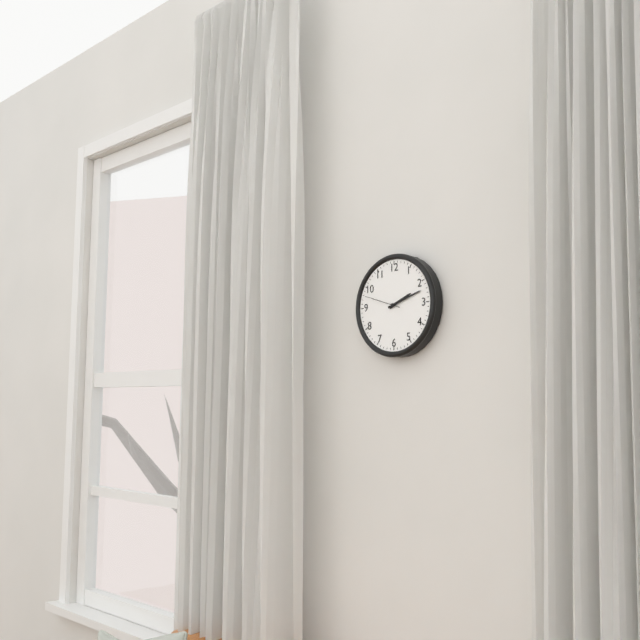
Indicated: **2:12**
